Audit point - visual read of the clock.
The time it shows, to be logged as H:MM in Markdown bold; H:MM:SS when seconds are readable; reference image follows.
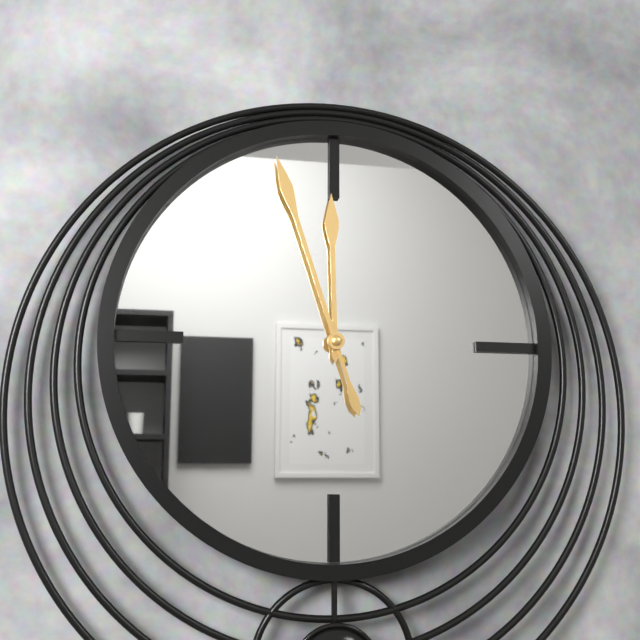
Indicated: **11:57**
